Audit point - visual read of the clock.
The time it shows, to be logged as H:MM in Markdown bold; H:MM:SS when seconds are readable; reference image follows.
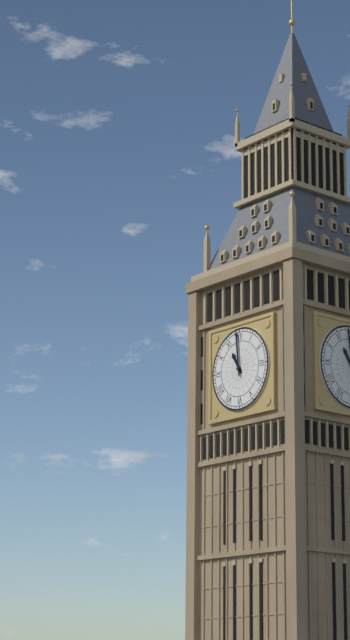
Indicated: **10:59**
